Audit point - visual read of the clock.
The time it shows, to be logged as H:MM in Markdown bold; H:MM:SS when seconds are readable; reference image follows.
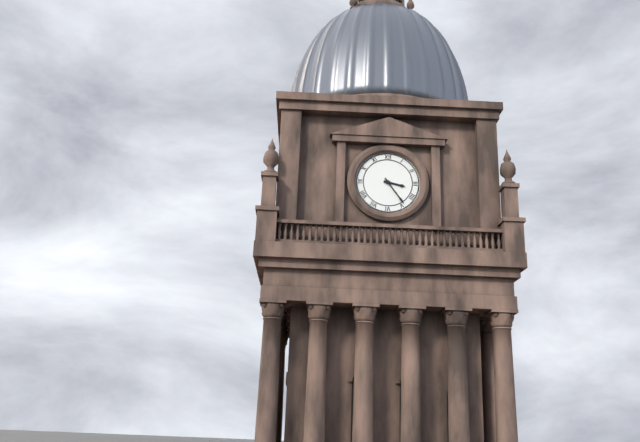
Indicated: **3:24**
